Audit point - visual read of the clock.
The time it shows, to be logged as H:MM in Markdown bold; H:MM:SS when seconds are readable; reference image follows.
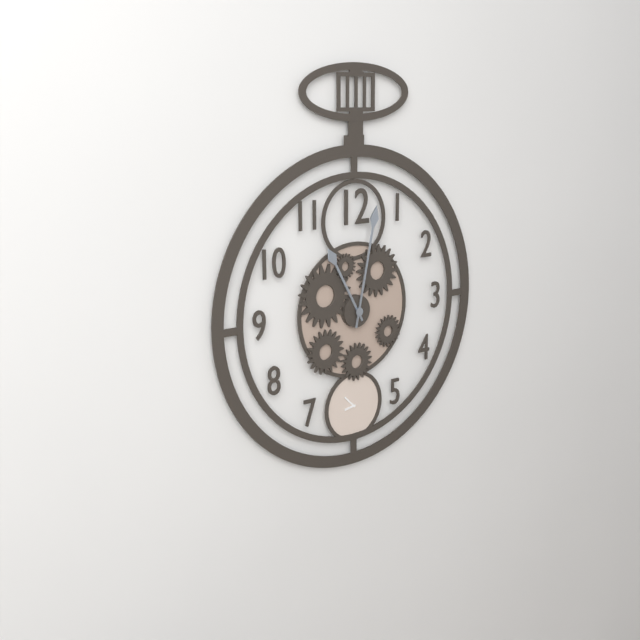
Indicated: **11:02**
